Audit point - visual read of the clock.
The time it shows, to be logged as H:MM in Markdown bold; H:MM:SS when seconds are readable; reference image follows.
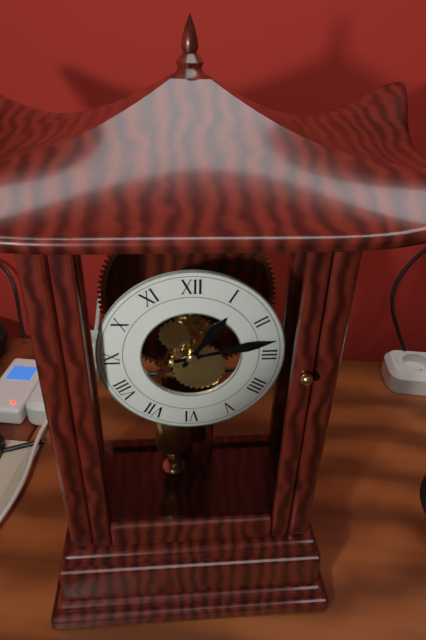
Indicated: **1:13**
